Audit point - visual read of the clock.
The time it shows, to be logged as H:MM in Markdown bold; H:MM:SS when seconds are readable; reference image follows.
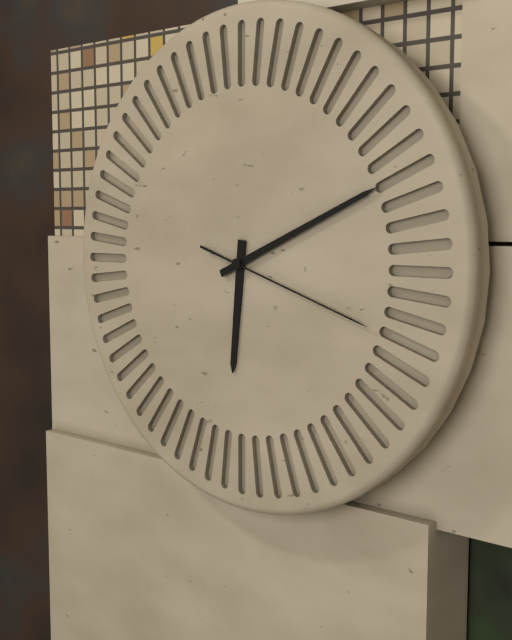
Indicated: **6:11:18**
